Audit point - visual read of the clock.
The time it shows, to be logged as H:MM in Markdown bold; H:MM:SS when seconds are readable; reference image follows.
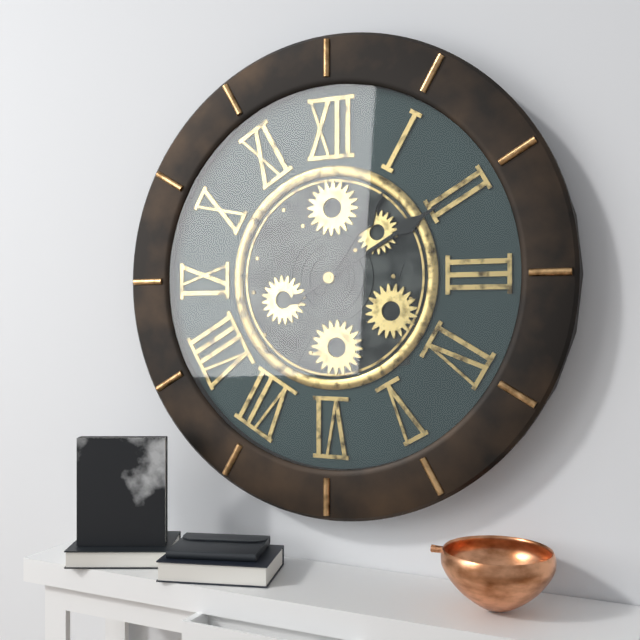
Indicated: **1:10**
